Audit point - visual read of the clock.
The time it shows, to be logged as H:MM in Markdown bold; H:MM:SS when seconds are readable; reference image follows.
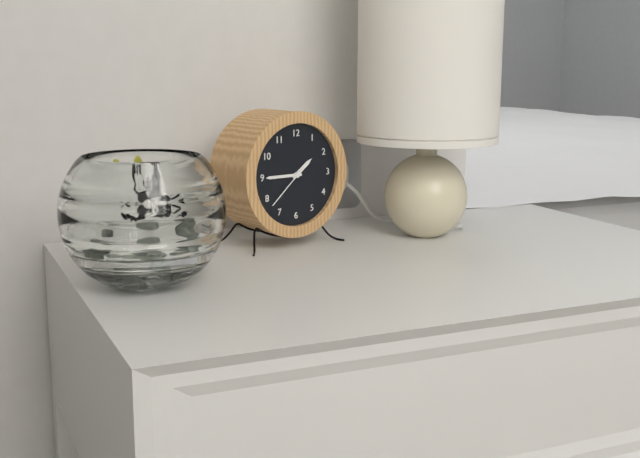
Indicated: **1:45**
